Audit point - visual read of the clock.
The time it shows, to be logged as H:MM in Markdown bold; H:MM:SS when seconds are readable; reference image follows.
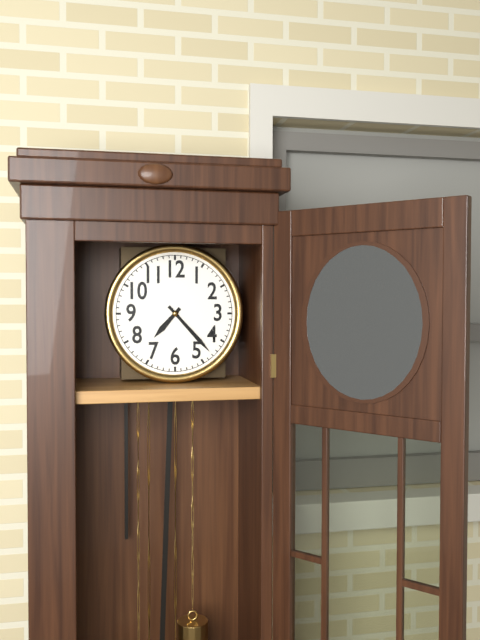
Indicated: **7:23**
